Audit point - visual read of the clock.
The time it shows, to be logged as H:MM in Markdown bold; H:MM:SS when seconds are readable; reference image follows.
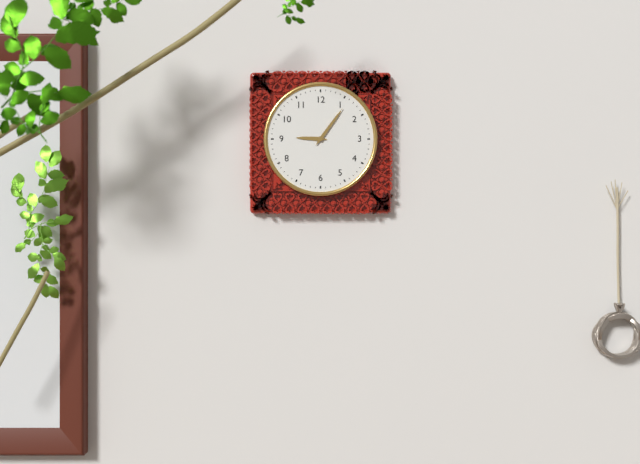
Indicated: **9:06**
